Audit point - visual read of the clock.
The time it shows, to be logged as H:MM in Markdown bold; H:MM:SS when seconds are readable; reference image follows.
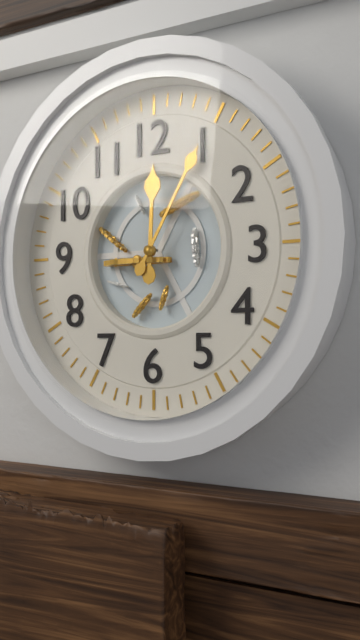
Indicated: **12:05**
